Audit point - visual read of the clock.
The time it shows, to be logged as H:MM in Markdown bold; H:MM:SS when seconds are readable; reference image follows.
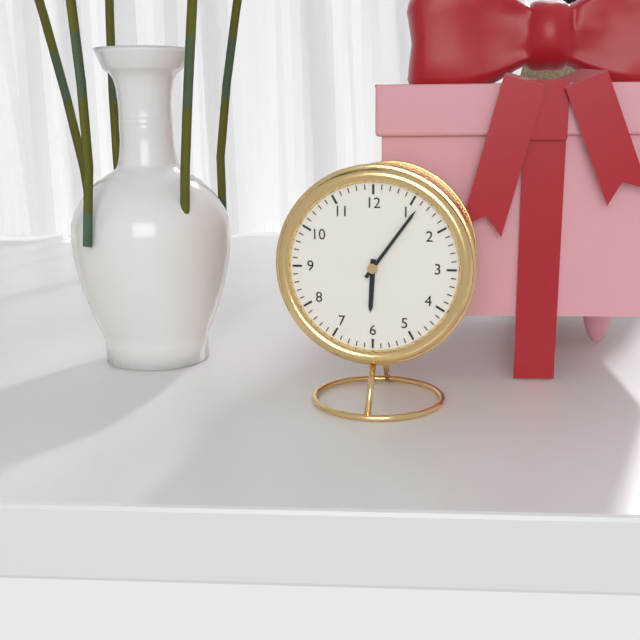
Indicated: **6:06**
